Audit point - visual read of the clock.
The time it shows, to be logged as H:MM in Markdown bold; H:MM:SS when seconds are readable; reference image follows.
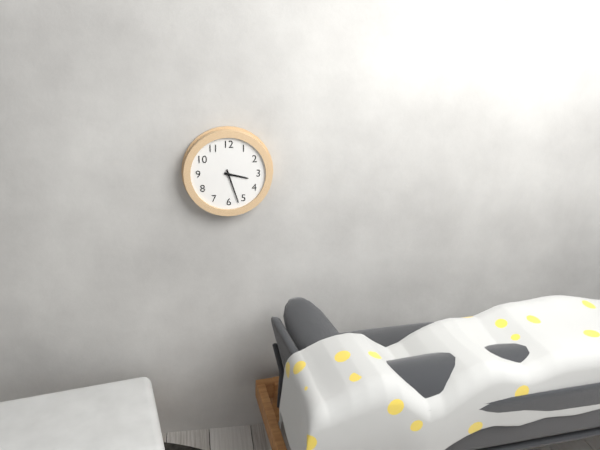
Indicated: **3:27**
